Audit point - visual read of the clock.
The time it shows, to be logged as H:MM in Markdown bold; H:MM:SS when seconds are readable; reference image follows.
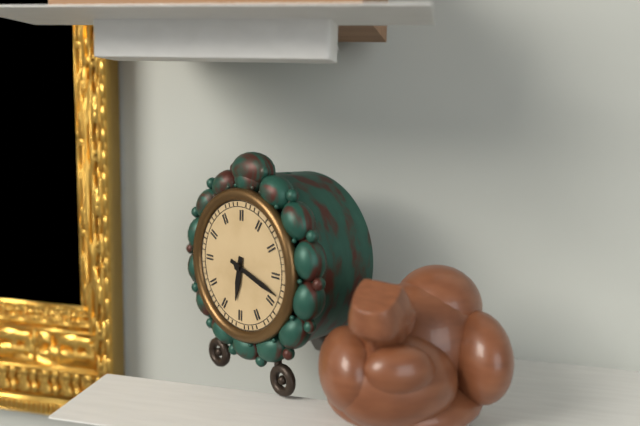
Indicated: **6:18**
